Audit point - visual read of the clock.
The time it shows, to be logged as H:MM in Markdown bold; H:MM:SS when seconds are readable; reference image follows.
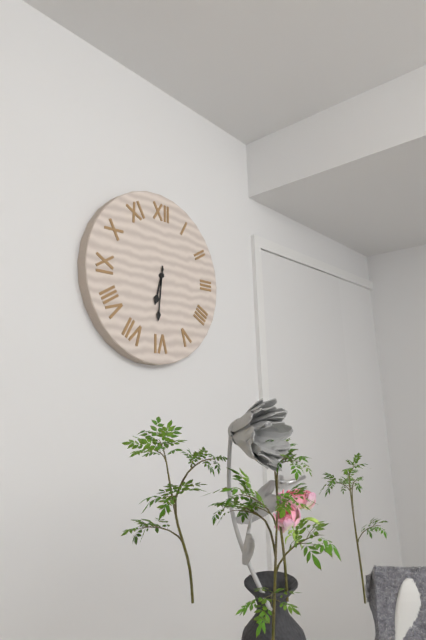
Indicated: **6:31**
